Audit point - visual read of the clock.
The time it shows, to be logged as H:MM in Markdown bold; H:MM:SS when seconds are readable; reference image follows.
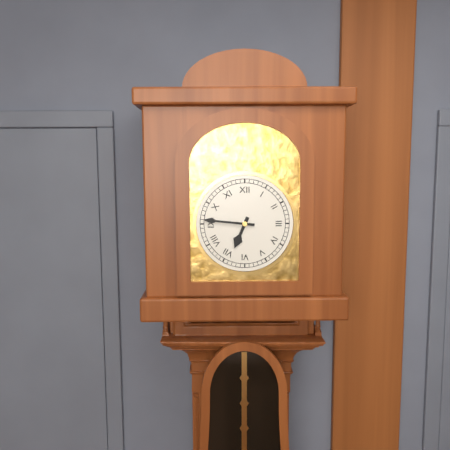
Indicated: **6:46**
